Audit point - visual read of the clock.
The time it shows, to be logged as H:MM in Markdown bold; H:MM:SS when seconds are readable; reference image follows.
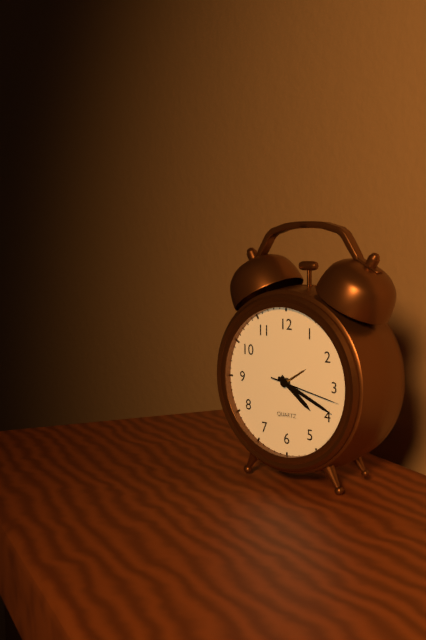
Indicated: **4:19:17**
